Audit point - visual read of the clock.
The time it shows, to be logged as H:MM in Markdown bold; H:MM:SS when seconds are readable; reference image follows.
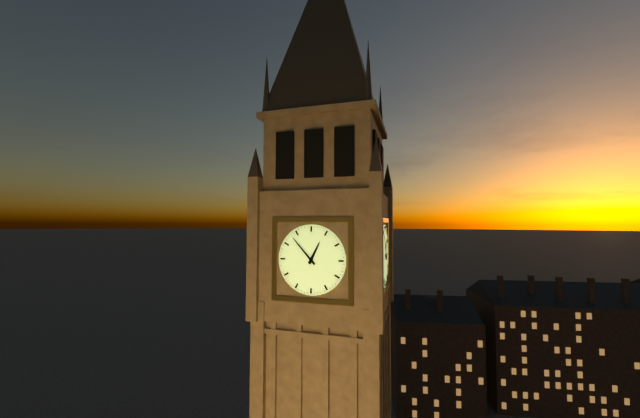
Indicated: **12:53**
